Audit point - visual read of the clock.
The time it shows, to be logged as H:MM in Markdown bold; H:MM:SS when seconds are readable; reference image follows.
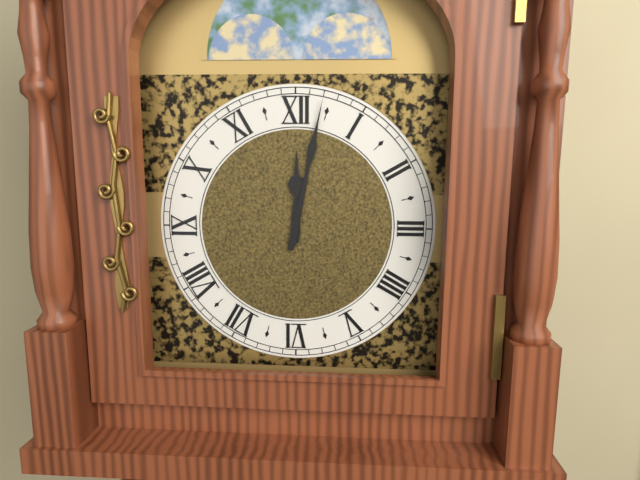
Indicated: **12:02**
